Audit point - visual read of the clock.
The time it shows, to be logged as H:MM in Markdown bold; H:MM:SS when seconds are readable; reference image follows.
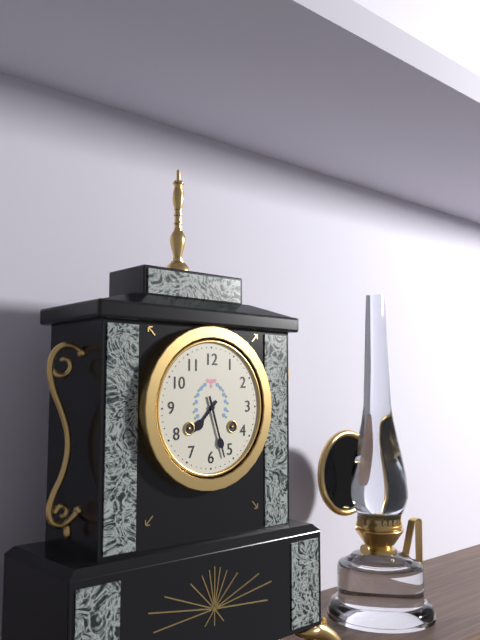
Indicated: **7:27**
